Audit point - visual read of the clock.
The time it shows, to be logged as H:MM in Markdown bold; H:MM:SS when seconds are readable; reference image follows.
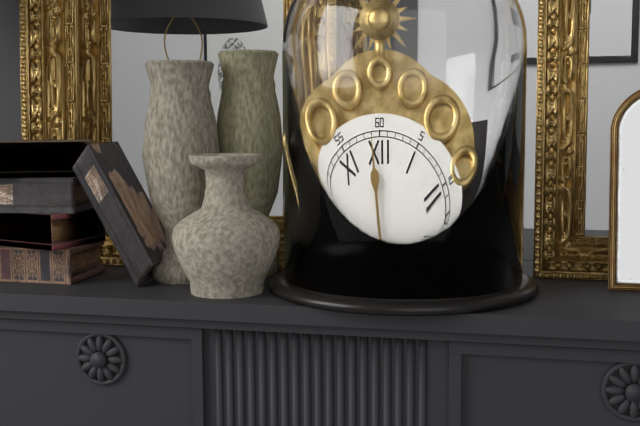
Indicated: **7:59**
